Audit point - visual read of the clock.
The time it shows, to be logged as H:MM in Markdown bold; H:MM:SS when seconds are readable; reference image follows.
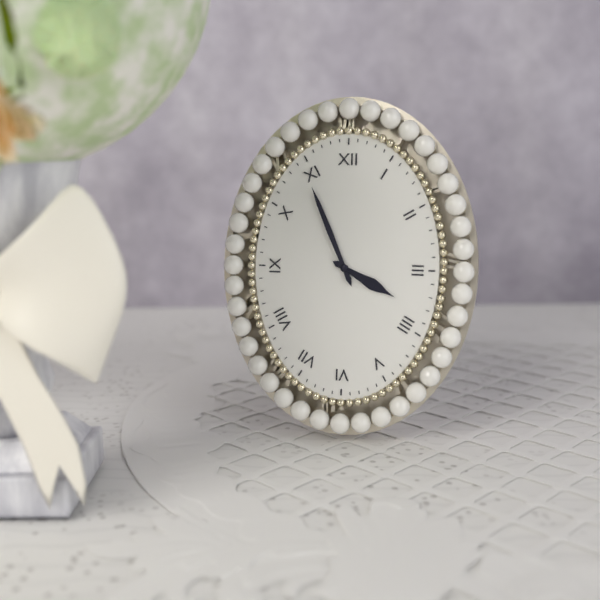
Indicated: **3:56**
